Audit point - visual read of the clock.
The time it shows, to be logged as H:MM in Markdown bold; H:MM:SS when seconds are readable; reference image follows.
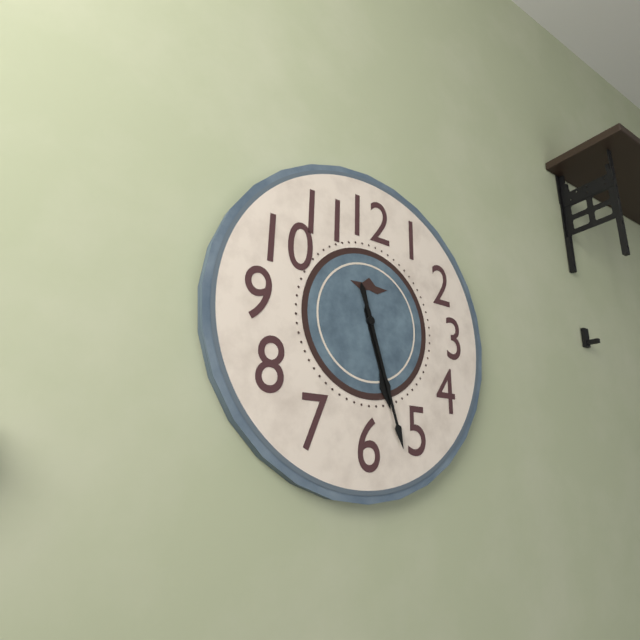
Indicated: **5:27**
